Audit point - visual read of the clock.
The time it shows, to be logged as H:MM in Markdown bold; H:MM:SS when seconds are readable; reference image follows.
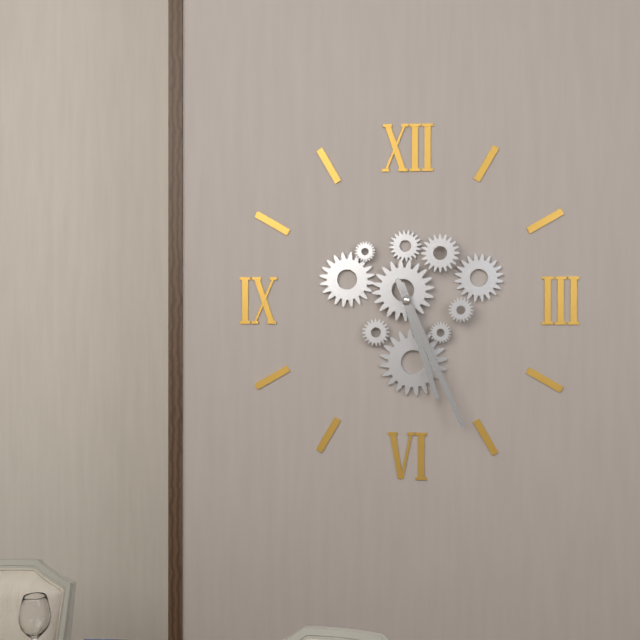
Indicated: **5:26**
